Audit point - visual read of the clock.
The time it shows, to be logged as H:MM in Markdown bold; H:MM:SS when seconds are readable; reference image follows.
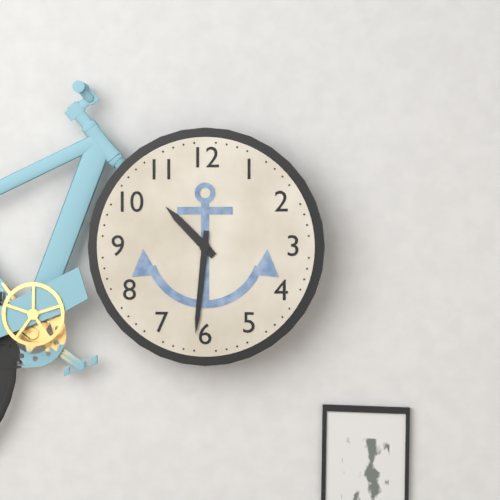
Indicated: **10:31**
